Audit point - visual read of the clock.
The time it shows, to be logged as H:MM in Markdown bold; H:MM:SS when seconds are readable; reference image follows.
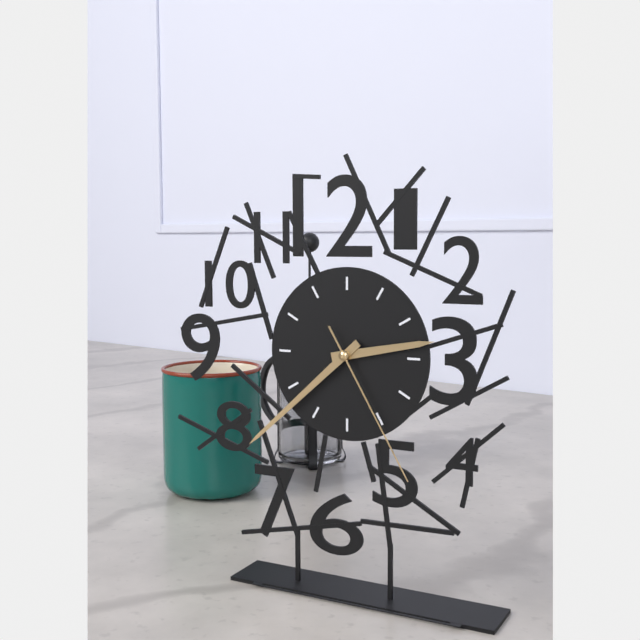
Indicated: **2:38:25**
